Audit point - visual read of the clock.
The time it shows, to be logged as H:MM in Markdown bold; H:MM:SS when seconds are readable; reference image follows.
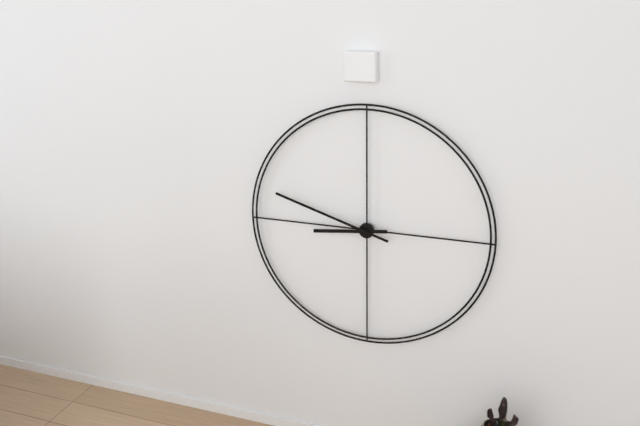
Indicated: **8:48**
